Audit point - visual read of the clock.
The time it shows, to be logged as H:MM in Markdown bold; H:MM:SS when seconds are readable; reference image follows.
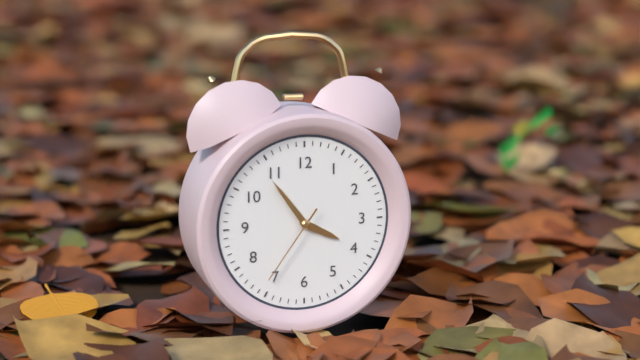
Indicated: **3:54:36**
